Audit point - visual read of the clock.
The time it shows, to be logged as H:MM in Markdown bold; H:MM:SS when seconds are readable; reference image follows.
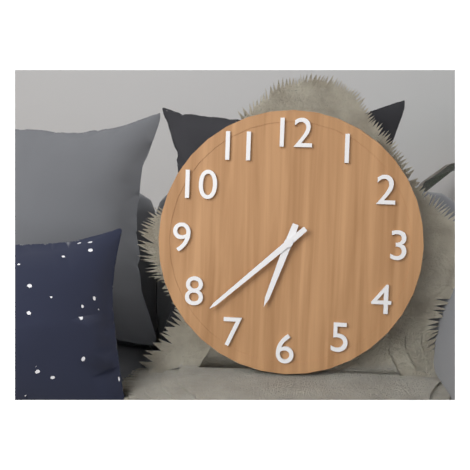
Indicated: **6:38**
